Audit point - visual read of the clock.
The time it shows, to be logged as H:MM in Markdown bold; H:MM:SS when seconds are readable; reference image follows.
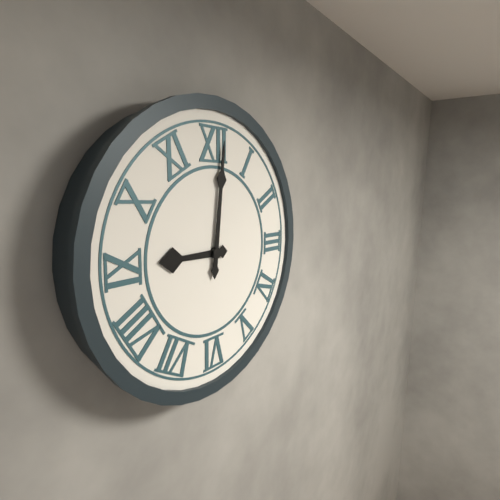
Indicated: **9:01**
